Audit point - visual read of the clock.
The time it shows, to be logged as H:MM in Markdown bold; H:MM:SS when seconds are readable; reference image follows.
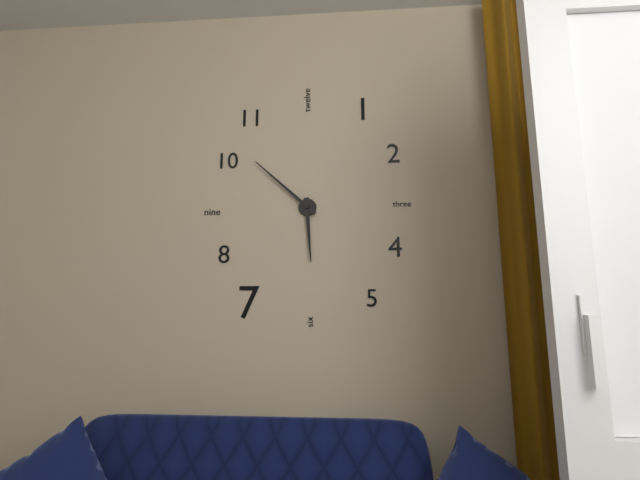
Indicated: **5:52**
